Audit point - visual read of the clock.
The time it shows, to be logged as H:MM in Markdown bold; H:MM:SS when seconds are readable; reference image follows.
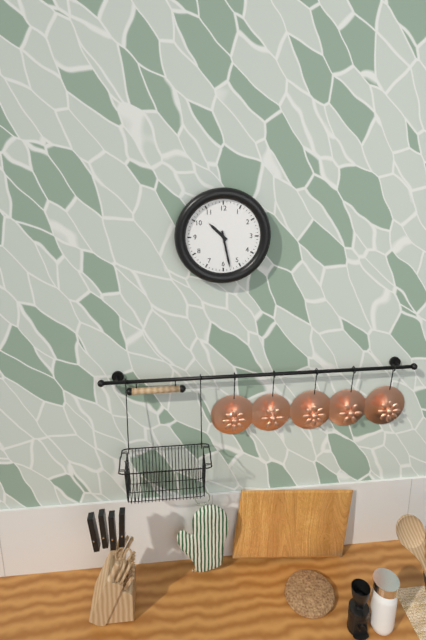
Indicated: **10:28**
